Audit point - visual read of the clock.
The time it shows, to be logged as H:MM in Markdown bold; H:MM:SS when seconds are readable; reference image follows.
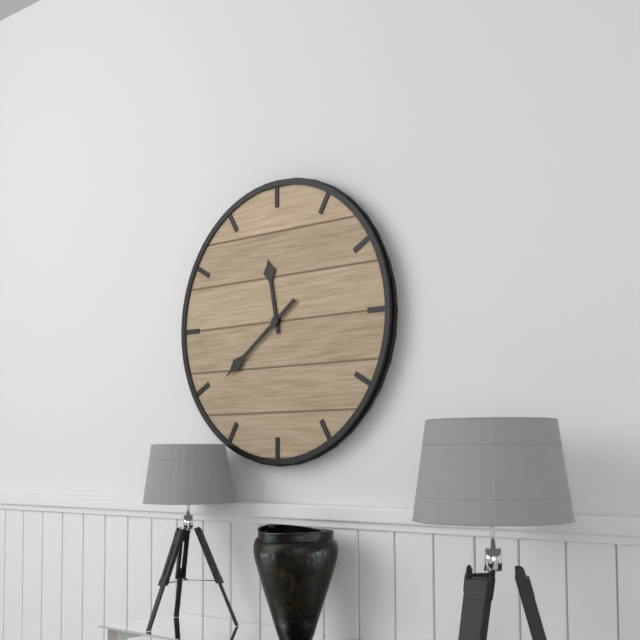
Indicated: **11:39**
